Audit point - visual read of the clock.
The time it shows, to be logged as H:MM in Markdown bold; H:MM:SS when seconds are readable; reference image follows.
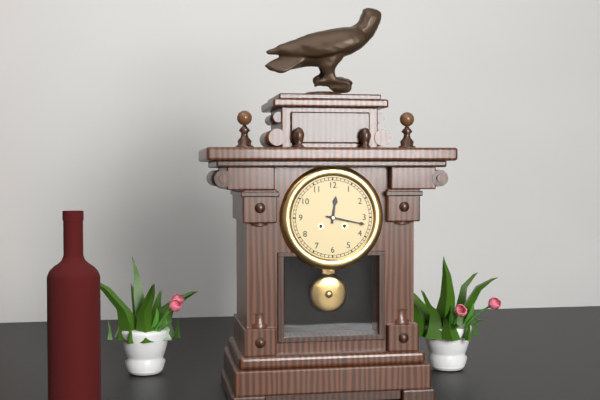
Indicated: **12:17**
